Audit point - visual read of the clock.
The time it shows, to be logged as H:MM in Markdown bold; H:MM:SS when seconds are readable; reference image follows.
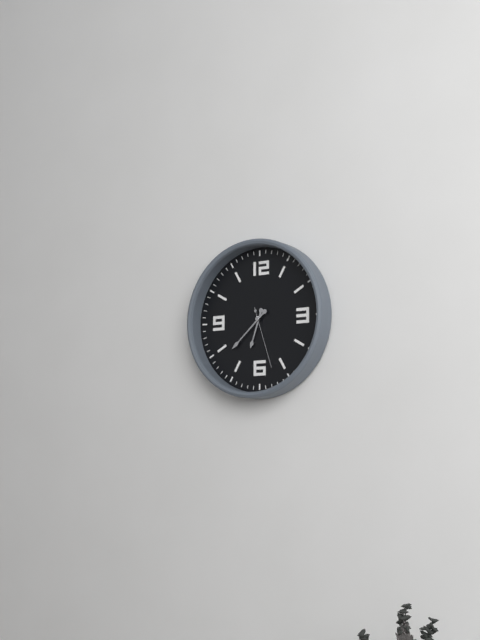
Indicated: **6:38:27**
